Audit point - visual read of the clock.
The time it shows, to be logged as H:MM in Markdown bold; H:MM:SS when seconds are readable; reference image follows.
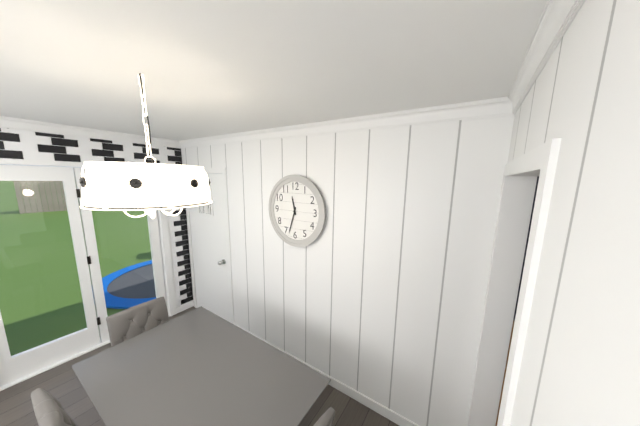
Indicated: **11:33**
